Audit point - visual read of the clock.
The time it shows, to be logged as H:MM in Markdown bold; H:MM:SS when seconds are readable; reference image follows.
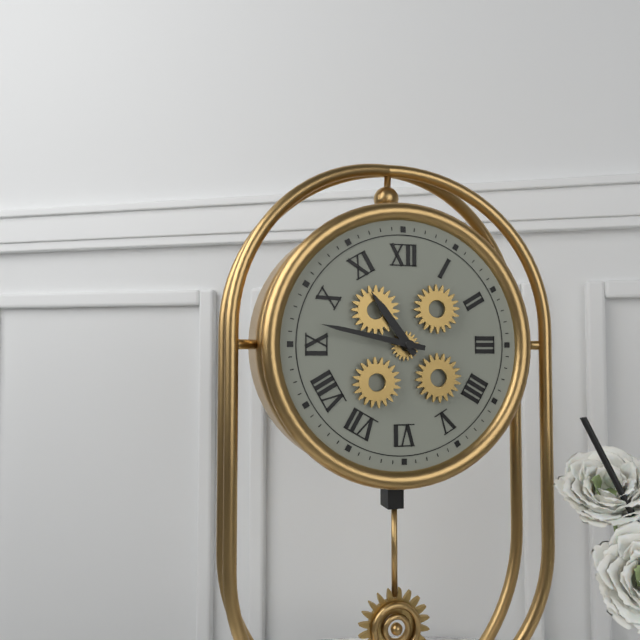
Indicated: **10:47**
